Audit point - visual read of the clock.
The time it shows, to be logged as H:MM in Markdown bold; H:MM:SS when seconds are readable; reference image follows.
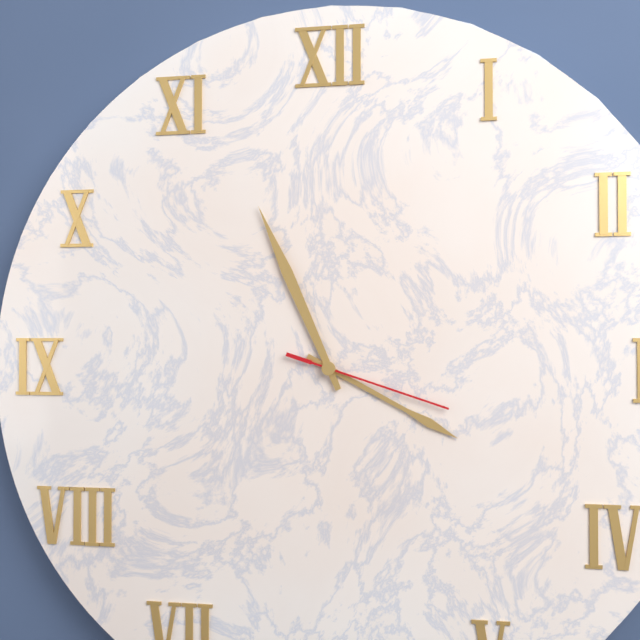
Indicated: **3:56:18**
